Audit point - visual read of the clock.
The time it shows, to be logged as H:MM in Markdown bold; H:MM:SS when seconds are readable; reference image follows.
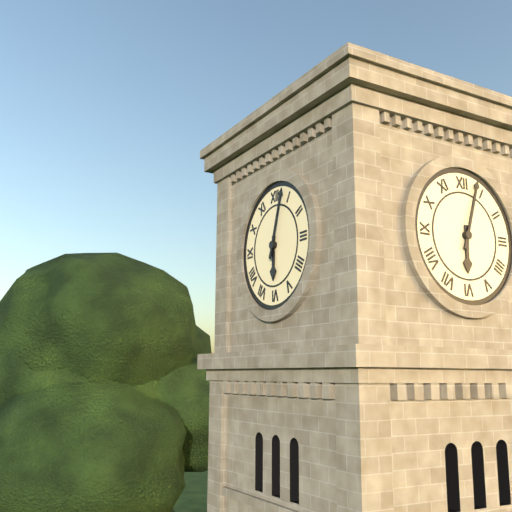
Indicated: **6:03**
